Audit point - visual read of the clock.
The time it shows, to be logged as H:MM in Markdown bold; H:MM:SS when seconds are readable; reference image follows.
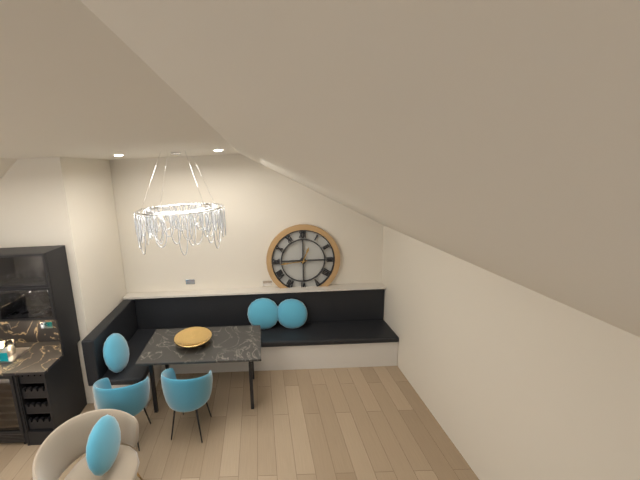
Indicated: **12:44**
